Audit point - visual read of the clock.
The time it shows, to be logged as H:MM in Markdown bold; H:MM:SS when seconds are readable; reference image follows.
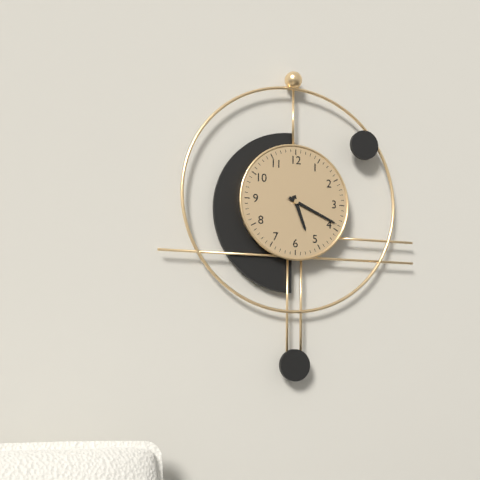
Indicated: **5:19**
